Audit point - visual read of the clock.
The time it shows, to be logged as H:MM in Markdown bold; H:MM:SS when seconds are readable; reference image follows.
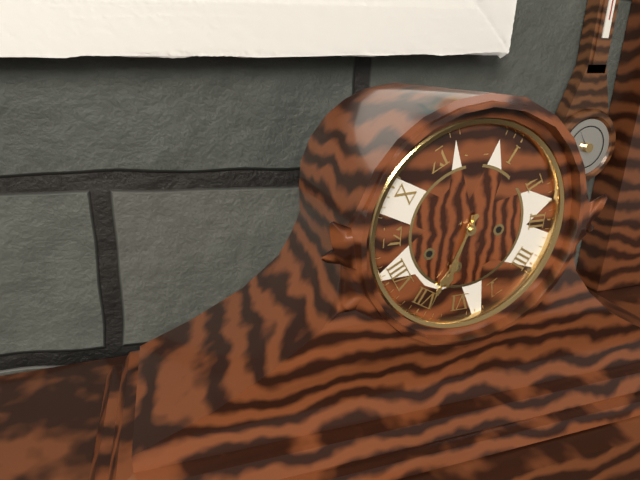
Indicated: **6:34**
